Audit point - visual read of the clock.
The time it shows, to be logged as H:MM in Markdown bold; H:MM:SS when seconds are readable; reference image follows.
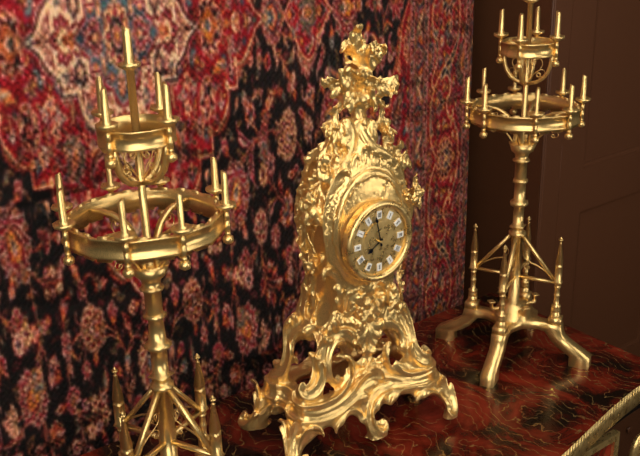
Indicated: **7:58**
